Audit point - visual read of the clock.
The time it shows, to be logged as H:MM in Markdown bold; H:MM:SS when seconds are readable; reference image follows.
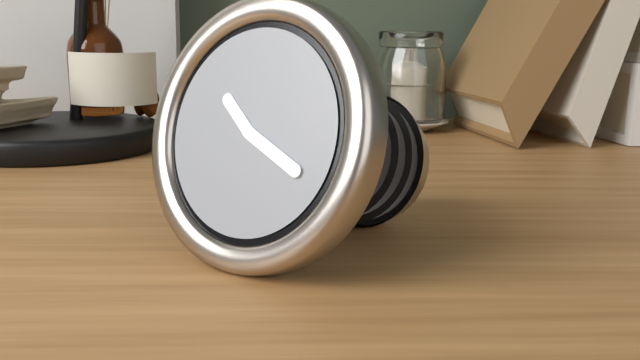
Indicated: **10:19**
